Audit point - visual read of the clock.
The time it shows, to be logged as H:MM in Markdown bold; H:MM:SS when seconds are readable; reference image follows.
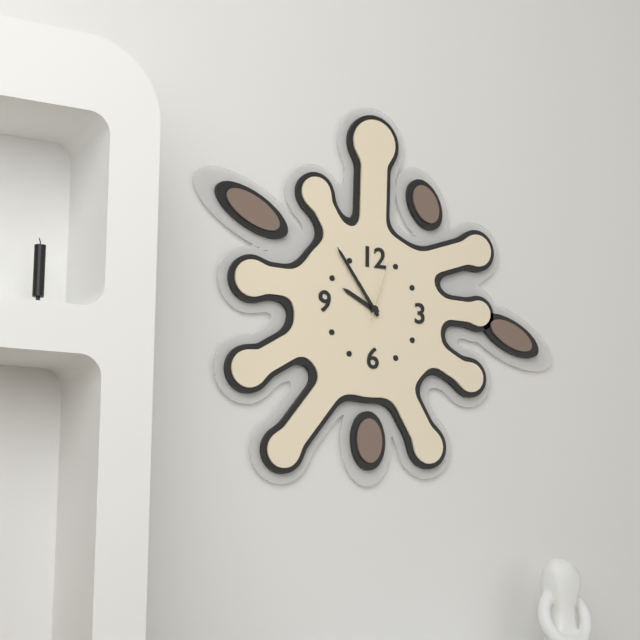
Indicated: **9:54:03**
